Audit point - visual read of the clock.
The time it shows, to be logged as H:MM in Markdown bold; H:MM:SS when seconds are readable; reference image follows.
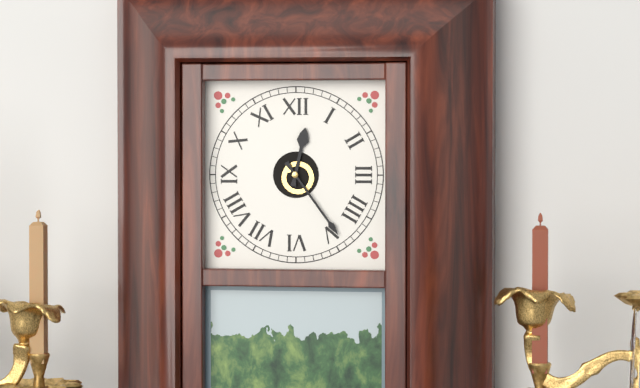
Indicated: **12:24**
